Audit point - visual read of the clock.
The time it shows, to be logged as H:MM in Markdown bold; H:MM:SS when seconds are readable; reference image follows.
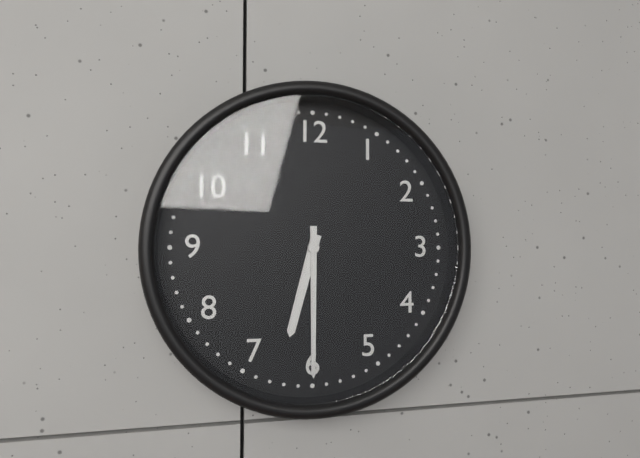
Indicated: **6:30**
